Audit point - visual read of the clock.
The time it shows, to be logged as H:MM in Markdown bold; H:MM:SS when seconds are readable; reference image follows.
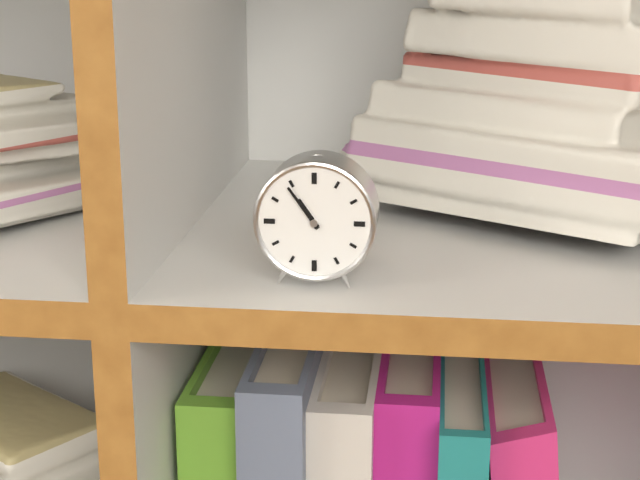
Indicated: **10:54**
